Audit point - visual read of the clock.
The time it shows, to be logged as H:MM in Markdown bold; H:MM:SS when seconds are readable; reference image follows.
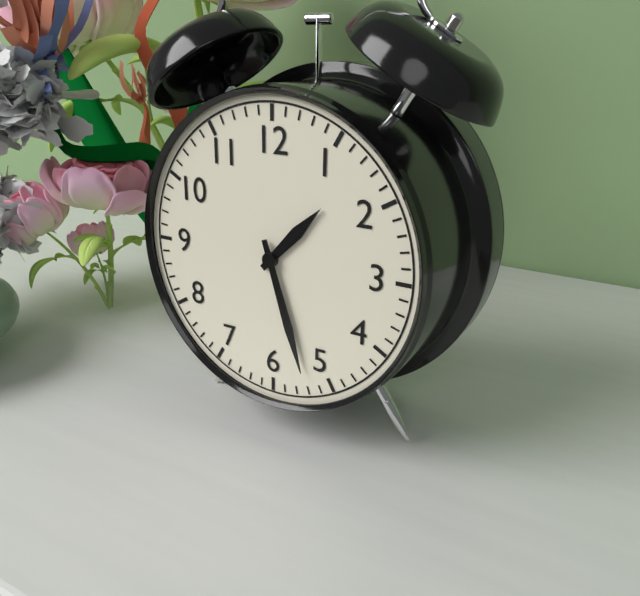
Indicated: **1:27**
